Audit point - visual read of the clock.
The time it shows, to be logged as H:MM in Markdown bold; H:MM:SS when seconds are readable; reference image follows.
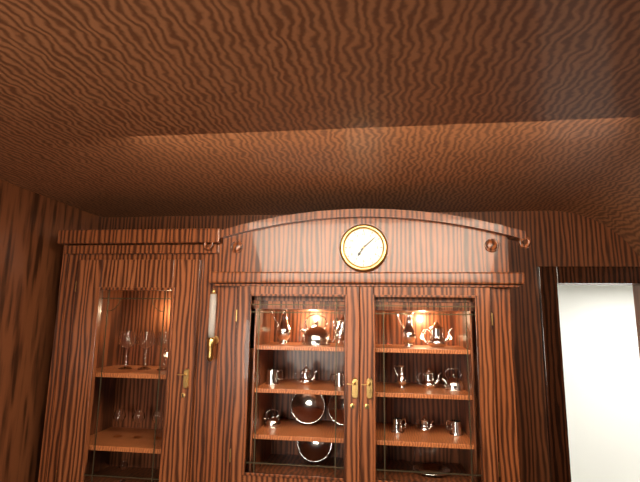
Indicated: **7:08**
